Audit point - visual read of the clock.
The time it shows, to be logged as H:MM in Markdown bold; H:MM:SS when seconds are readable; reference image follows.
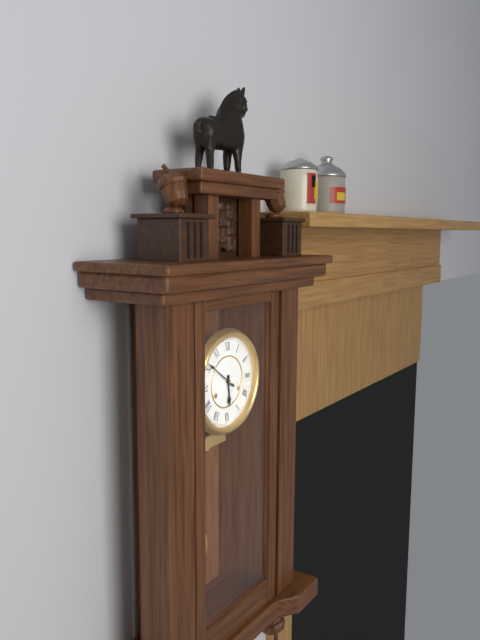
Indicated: **5:51**
